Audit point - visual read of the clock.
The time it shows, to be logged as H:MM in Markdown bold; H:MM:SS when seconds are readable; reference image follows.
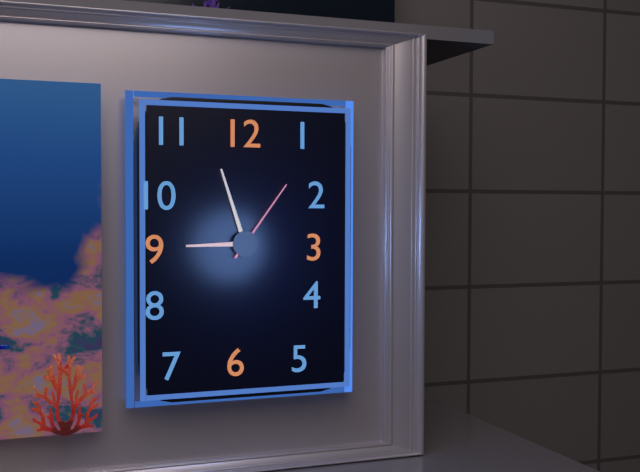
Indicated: **8:57:06**
